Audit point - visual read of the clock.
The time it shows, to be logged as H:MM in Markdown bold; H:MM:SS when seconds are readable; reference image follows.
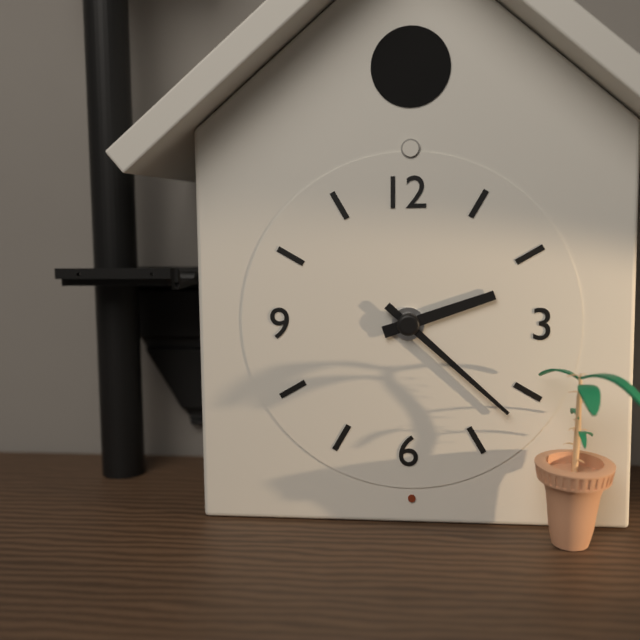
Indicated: **2:22**
